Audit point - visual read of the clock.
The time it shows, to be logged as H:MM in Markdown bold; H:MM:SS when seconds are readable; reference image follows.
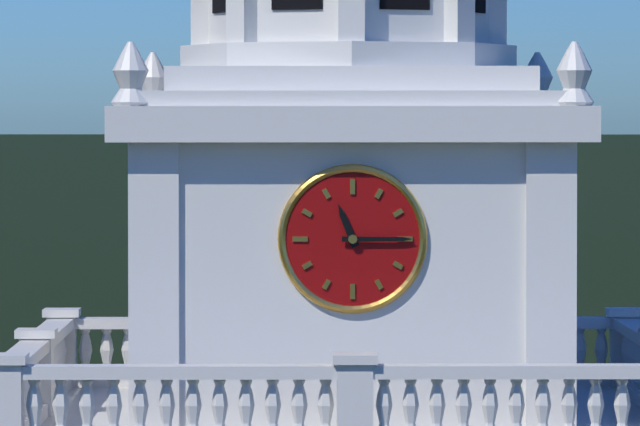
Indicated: **11:15**
